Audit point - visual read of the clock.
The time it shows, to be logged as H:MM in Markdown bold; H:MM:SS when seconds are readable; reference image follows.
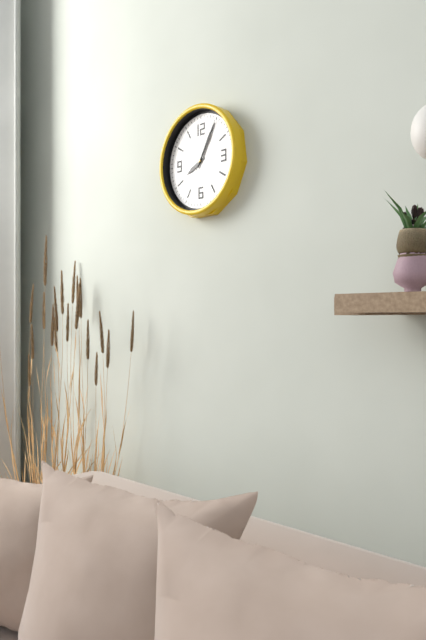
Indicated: **8:05:05**
